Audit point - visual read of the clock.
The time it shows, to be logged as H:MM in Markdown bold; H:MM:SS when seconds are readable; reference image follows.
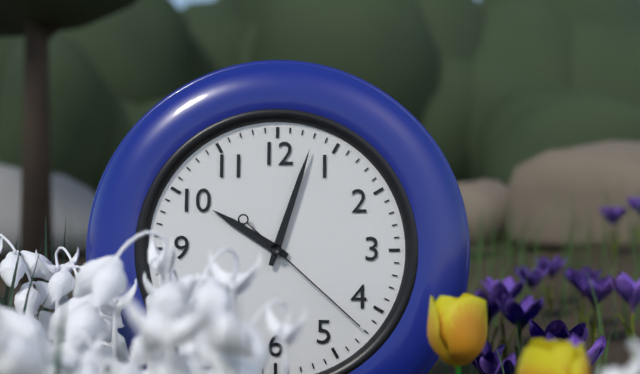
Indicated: **10:03:22**
